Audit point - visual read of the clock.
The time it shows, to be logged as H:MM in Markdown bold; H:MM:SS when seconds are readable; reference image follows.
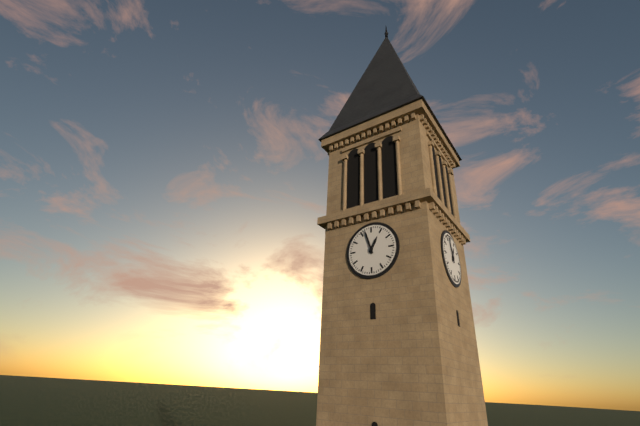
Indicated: **12:57**
